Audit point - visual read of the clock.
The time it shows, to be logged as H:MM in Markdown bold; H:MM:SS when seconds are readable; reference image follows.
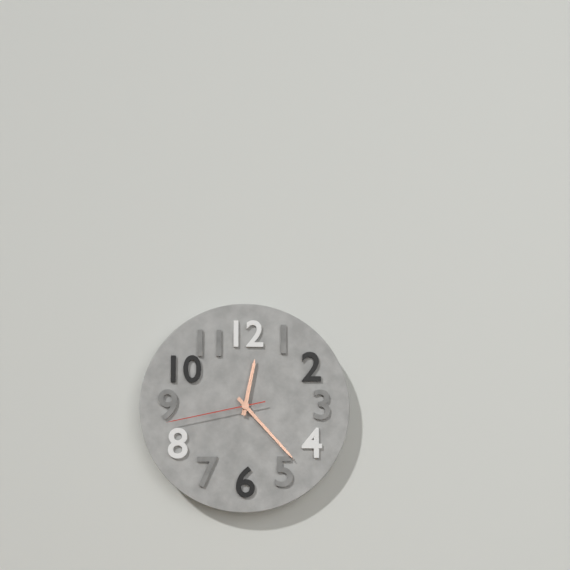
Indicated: **12:23:43**
